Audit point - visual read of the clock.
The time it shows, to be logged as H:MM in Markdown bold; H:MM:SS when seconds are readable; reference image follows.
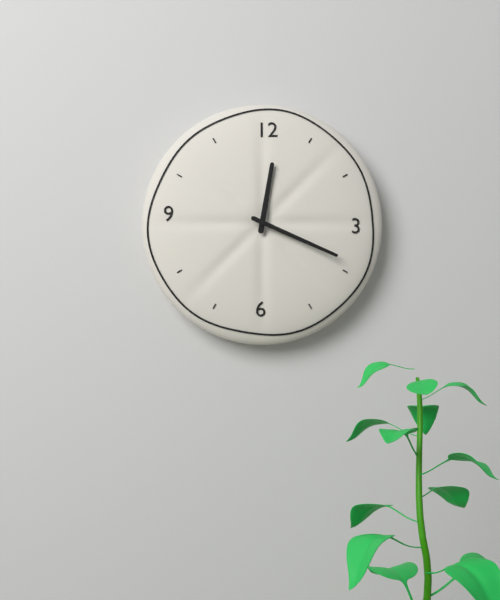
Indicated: **12:19**
